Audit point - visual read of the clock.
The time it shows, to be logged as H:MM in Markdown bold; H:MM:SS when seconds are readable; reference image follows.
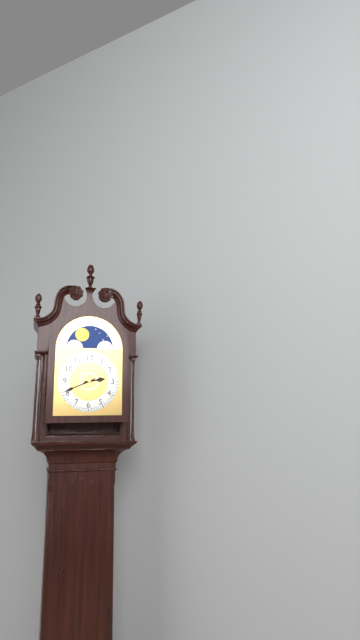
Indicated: **2:41**
